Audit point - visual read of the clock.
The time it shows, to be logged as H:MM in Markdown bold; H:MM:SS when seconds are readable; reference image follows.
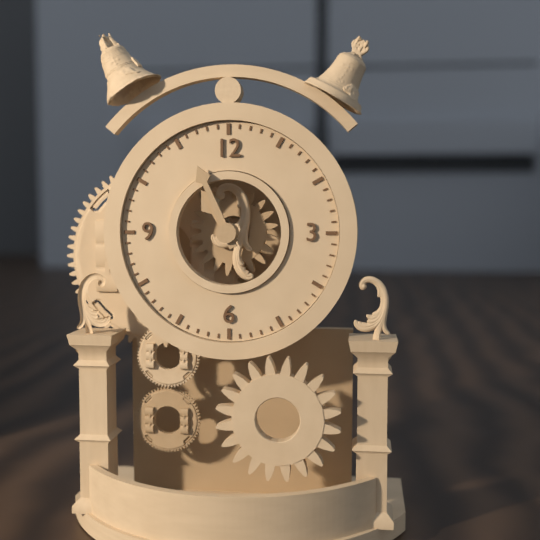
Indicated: **10:56**
